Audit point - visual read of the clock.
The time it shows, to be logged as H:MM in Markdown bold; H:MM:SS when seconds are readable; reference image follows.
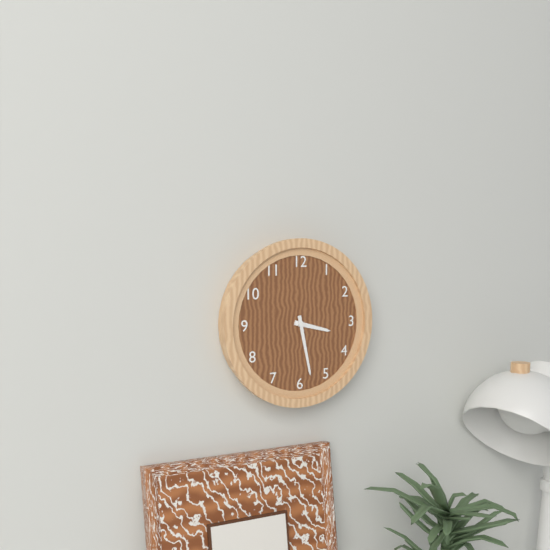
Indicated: **3:28**
